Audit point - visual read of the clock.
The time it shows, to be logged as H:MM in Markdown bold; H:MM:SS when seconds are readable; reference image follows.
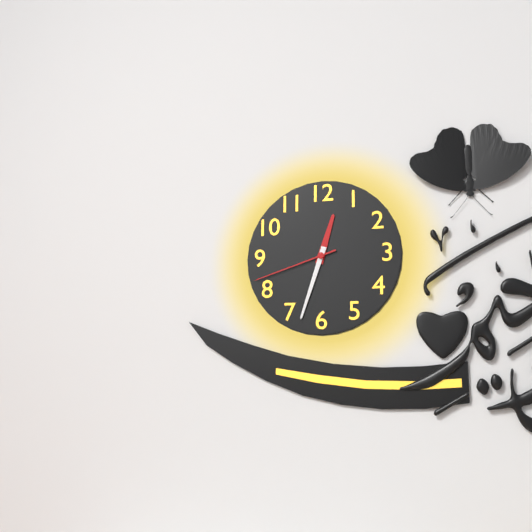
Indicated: **12:33:42**
